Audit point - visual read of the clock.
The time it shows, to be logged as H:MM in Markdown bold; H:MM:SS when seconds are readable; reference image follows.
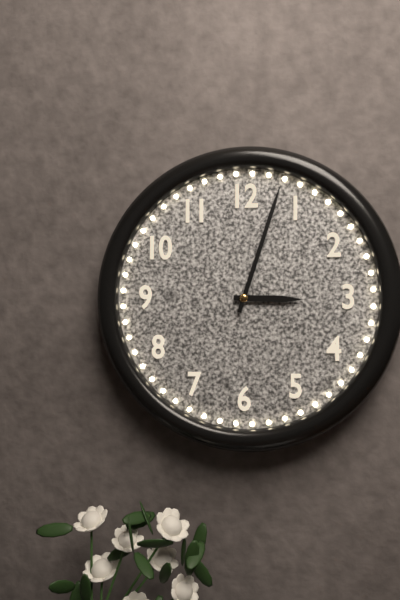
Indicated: **3:03**
